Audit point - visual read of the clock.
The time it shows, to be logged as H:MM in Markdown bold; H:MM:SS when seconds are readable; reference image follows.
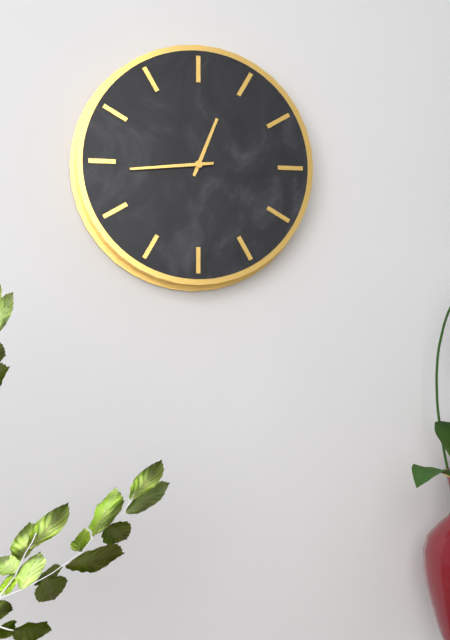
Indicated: **12:44**
